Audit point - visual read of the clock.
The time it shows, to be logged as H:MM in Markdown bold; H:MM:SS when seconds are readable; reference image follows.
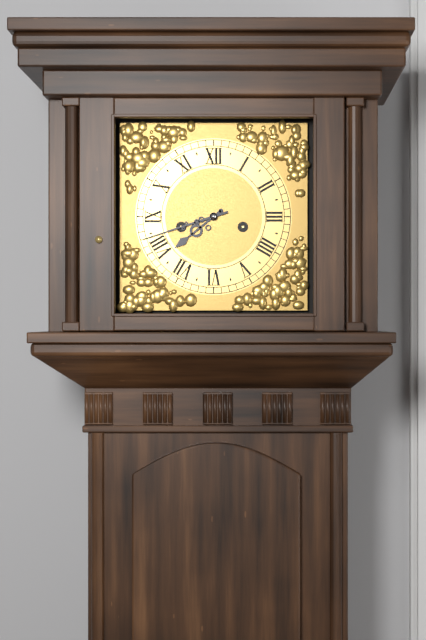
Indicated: **7:42**
